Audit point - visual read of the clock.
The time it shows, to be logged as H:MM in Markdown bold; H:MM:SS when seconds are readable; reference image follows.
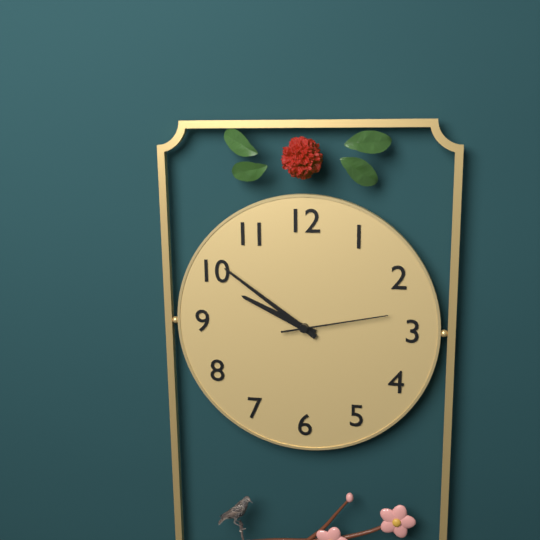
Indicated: **9:51:13**
